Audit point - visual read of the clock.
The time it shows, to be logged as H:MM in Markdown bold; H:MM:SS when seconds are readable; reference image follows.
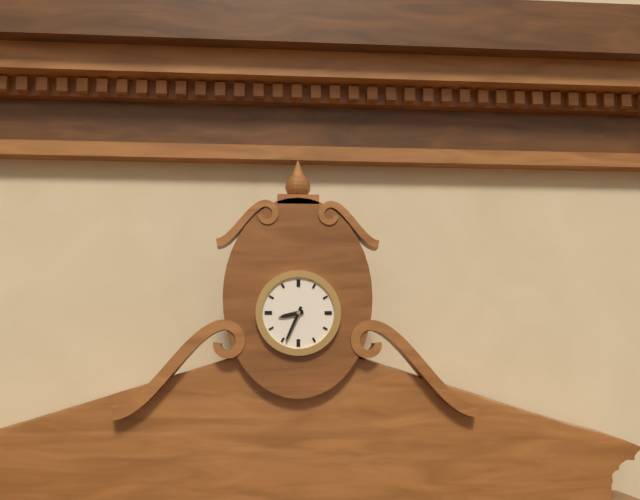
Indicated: **8:34**
